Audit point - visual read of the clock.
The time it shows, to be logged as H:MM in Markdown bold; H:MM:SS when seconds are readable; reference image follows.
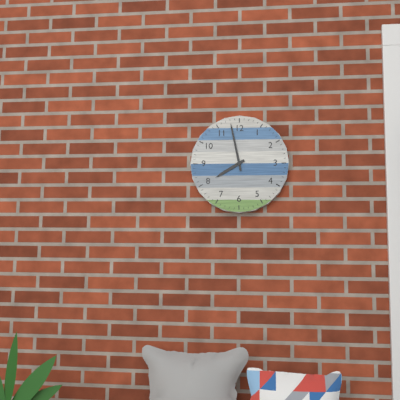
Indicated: **7:58**
